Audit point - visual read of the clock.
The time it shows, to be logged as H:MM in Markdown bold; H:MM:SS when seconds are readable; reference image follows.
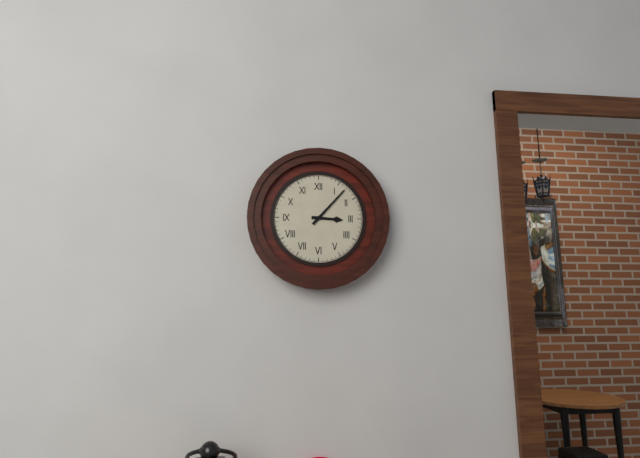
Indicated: **3:07**
